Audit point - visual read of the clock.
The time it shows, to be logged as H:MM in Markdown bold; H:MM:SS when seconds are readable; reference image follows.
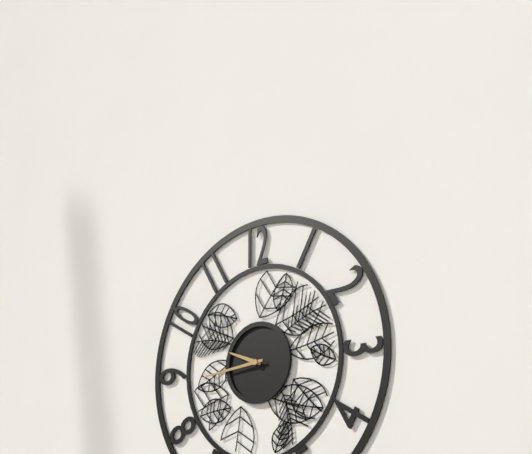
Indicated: **9:44**
